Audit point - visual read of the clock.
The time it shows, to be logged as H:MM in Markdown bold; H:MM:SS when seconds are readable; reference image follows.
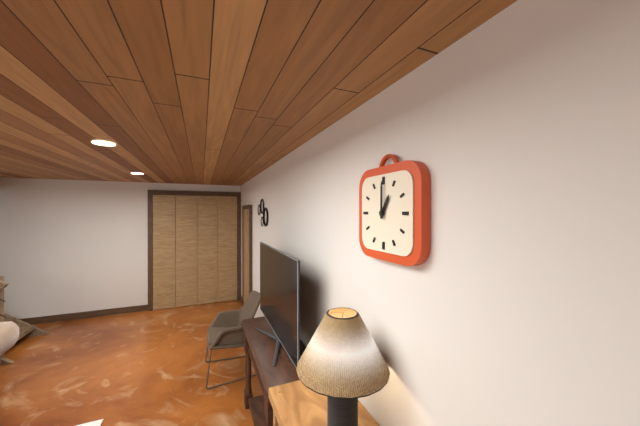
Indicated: **1:00**
